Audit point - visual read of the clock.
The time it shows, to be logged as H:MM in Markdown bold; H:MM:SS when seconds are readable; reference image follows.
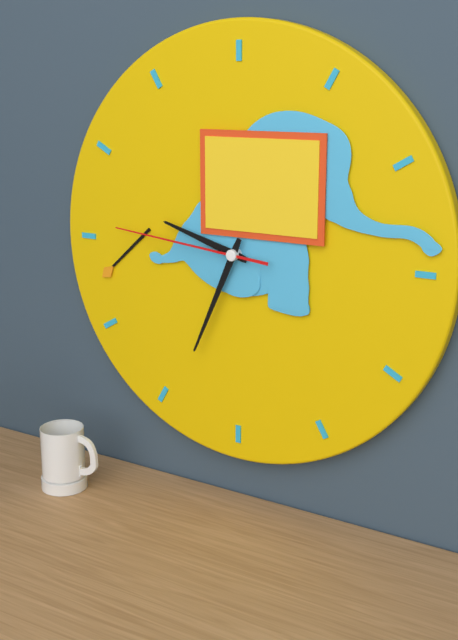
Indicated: **9:34:46**
